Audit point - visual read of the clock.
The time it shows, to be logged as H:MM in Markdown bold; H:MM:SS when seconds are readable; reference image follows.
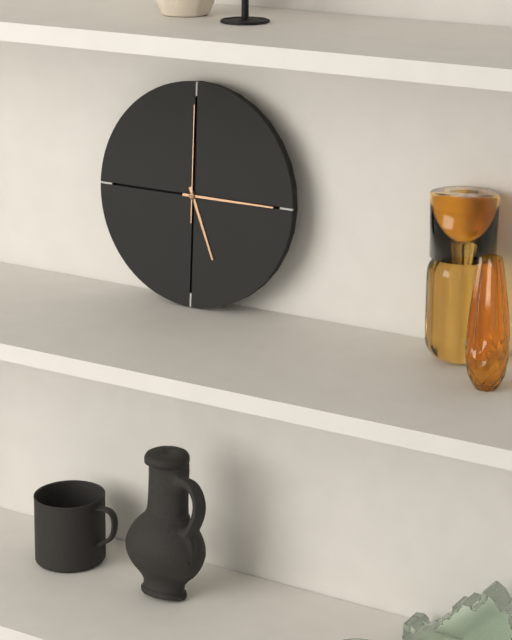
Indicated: **5:15:00**
